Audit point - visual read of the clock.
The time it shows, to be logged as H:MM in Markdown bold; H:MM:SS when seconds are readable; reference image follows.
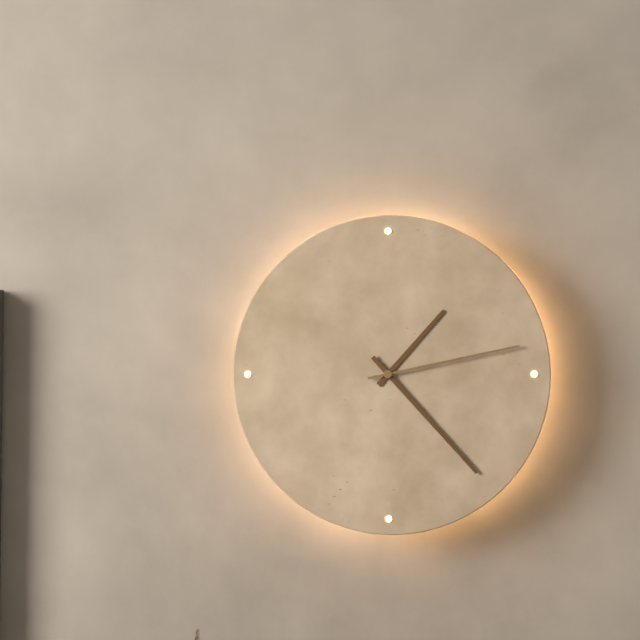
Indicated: **1:23:13**
